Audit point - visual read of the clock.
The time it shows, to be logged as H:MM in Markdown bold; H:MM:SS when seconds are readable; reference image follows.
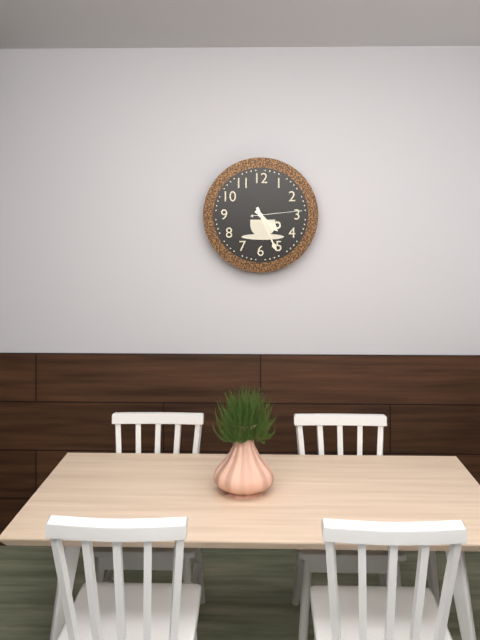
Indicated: **4:26:14**
